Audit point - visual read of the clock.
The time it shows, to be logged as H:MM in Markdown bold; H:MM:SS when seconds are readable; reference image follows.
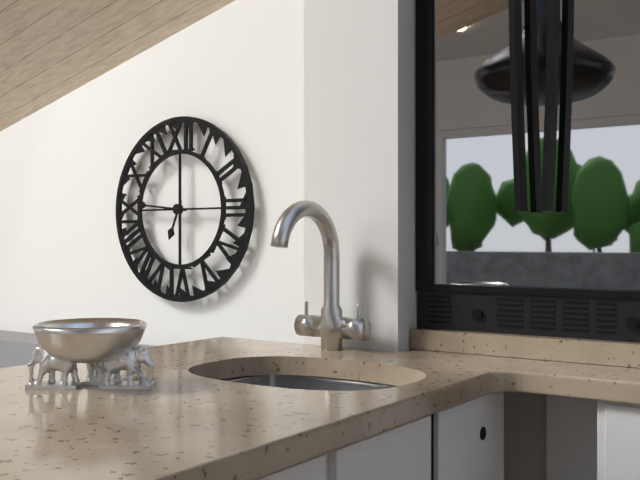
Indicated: **6:46**
